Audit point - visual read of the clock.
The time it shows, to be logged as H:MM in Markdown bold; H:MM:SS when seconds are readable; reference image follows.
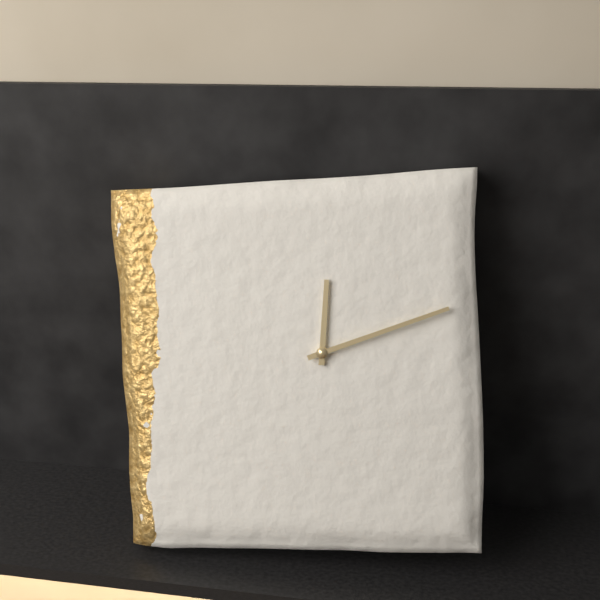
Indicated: **12:12**
